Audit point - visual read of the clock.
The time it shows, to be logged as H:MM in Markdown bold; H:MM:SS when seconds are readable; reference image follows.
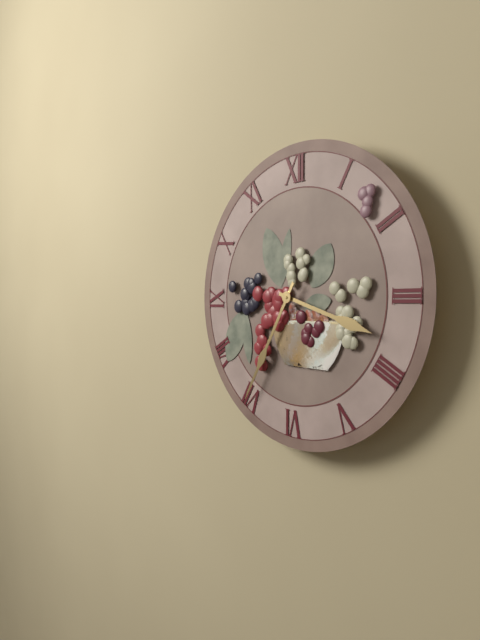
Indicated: **3:35**
